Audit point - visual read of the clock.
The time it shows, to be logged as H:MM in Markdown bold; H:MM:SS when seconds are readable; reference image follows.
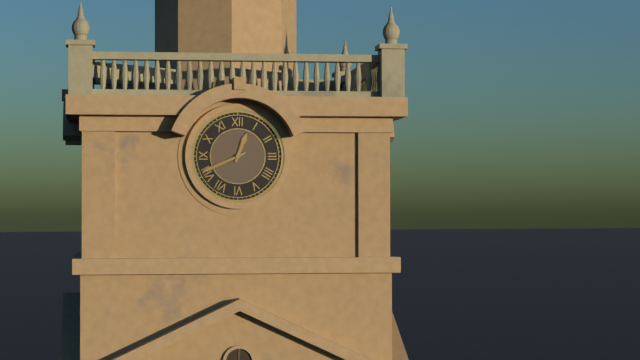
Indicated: **12:41**
